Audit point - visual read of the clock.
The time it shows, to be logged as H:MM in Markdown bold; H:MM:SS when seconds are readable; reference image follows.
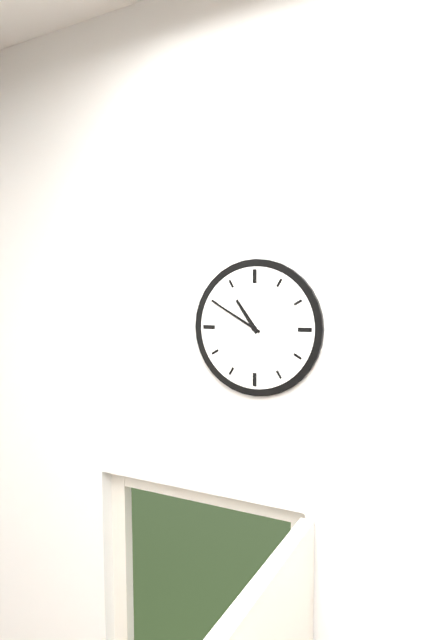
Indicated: **10:50**
